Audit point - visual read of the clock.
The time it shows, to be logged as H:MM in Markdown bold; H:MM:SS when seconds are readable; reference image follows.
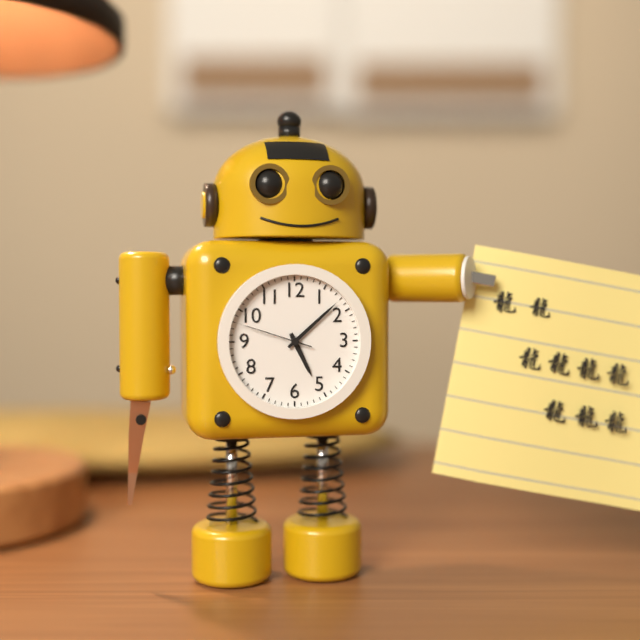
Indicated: **5:08:48**
